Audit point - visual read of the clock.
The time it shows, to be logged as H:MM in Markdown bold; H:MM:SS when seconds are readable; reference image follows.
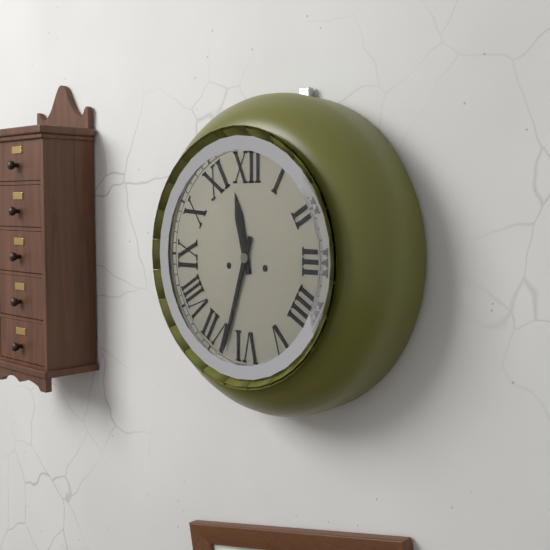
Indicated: **11:33**
